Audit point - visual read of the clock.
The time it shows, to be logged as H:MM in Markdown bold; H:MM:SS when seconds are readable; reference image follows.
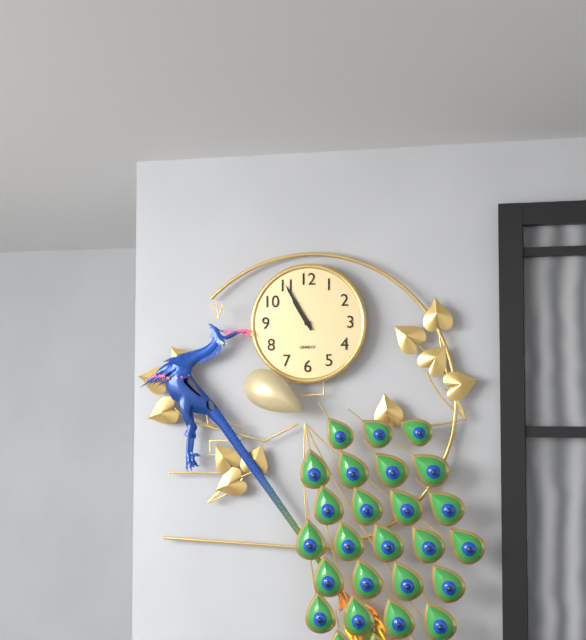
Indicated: **10:55**
